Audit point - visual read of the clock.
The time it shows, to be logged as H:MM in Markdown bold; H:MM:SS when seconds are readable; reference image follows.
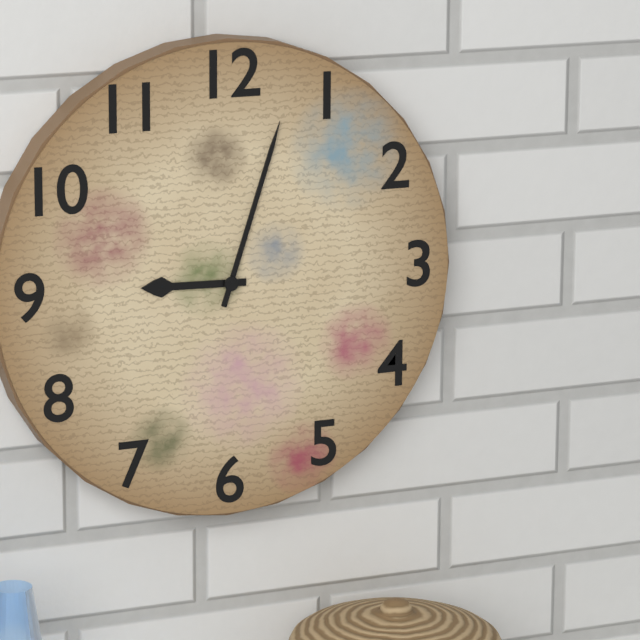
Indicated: **9:03**
